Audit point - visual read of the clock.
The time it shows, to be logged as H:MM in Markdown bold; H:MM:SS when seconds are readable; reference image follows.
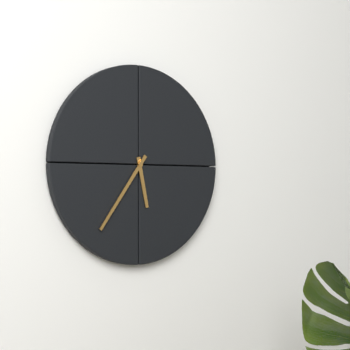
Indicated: **5:36**
